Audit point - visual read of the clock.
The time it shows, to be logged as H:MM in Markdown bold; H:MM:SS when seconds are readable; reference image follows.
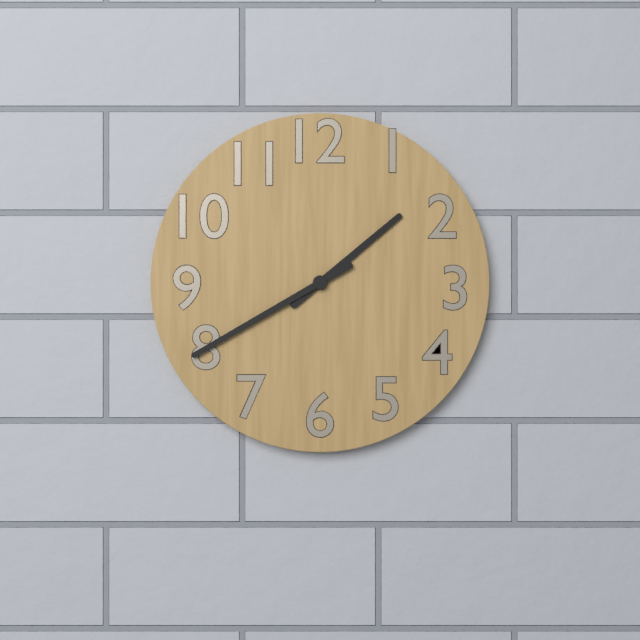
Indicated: **1:40**
